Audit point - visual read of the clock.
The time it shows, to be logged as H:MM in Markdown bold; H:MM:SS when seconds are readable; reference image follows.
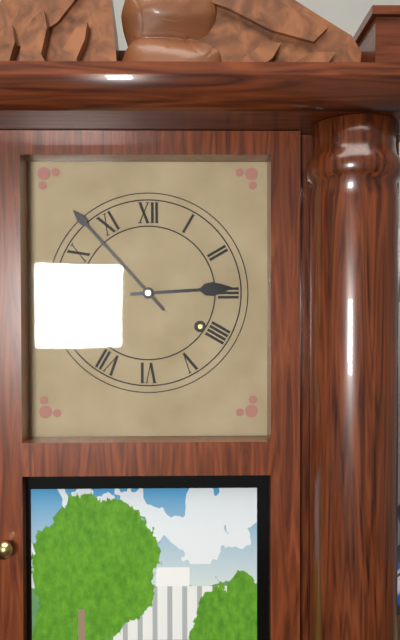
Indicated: **2:53**
